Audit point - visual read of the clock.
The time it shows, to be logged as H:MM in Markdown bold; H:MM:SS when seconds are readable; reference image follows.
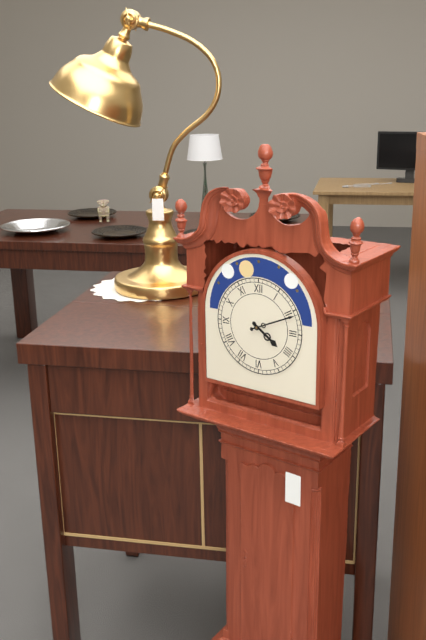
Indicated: **4:11**
